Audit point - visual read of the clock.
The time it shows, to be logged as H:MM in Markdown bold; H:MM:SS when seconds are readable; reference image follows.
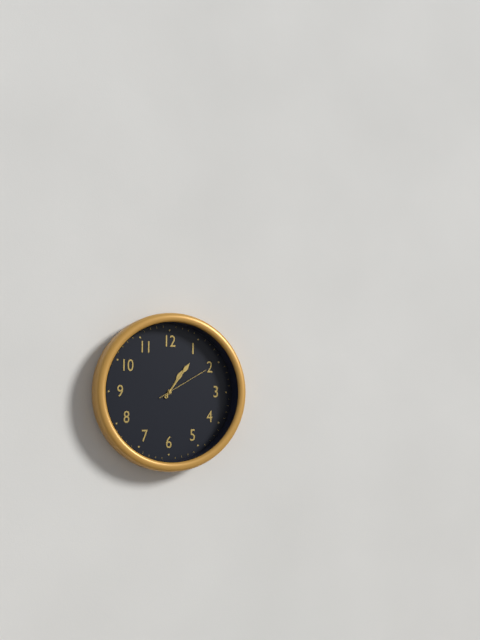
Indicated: **1:06:10**
